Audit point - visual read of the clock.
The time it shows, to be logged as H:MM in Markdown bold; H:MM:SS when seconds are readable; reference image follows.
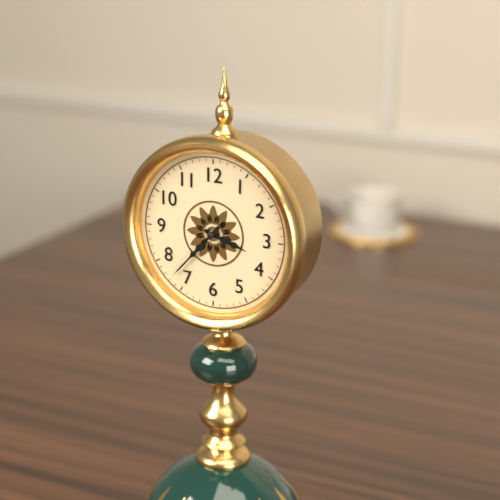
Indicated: **3:37**
